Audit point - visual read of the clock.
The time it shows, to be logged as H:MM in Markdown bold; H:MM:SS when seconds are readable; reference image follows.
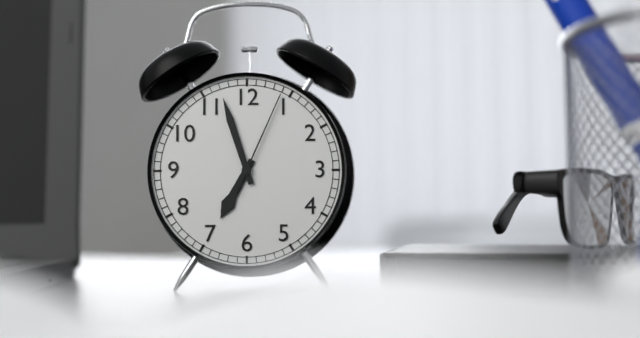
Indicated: **6:57:04**
